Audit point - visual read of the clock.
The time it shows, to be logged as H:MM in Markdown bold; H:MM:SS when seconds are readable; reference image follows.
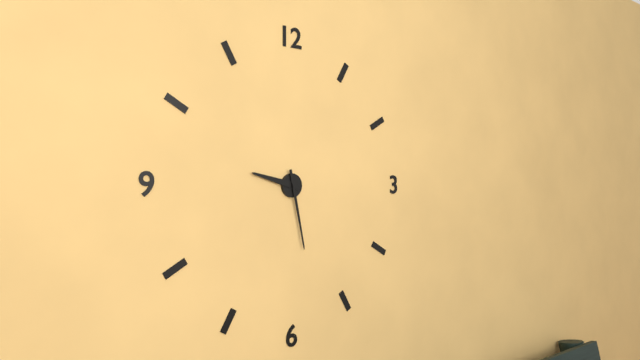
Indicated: **9:28**
